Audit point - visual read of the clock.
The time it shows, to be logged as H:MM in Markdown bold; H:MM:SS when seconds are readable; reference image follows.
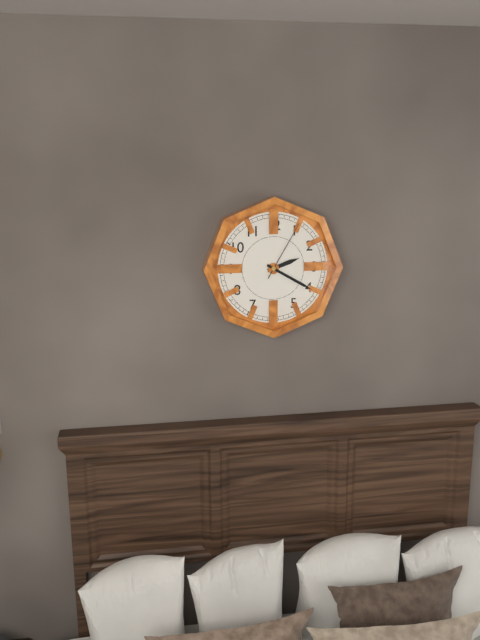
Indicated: **2:20:05**
